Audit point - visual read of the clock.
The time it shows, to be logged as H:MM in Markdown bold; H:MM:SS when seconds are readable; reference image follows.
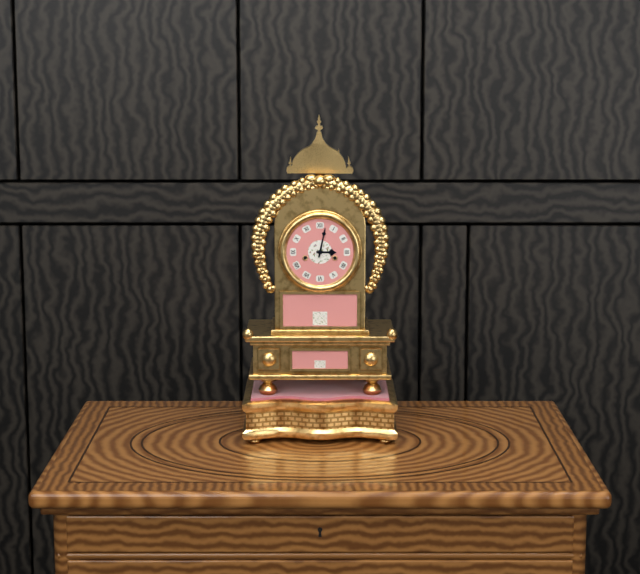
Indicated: **3:02**
